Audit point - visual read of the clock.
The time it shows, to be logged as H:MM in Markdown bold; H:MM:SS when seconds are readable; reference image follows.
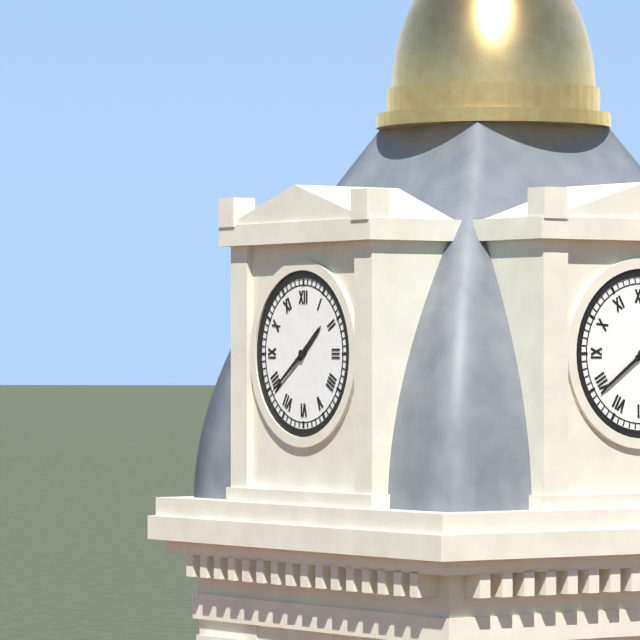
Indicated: **1:39**
